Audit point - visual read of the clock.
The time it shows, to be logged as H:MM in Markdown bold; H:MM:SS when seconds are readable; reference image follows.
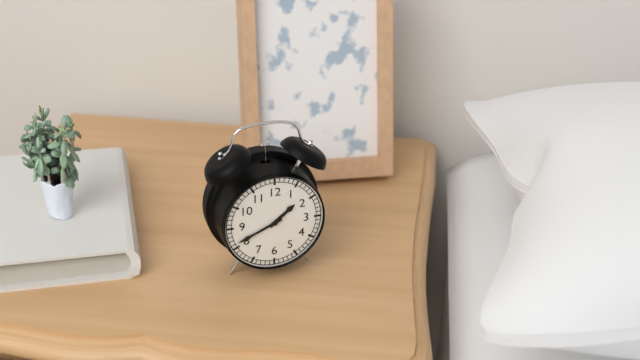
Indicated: **1:41**
